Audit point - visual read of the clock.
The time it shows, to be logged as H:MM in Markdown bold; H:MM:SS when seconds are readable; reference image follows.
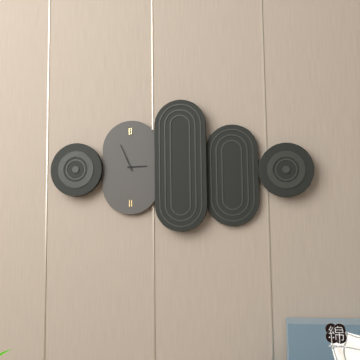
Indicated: **2:56**
